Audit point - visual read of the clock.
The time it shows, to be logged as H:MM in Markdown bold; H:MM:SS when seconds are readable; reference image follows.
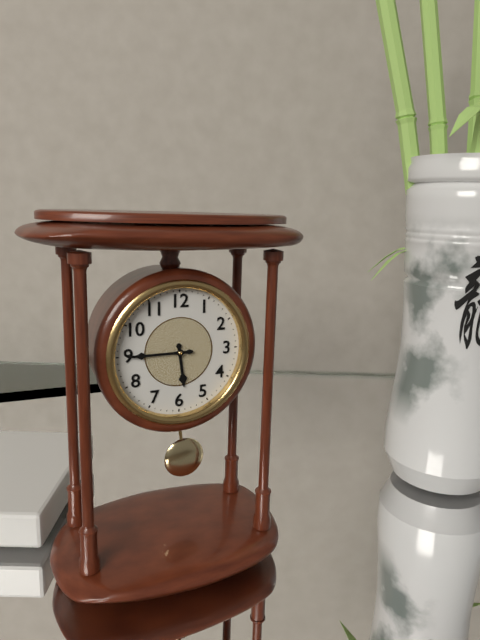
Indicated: **5:45**
